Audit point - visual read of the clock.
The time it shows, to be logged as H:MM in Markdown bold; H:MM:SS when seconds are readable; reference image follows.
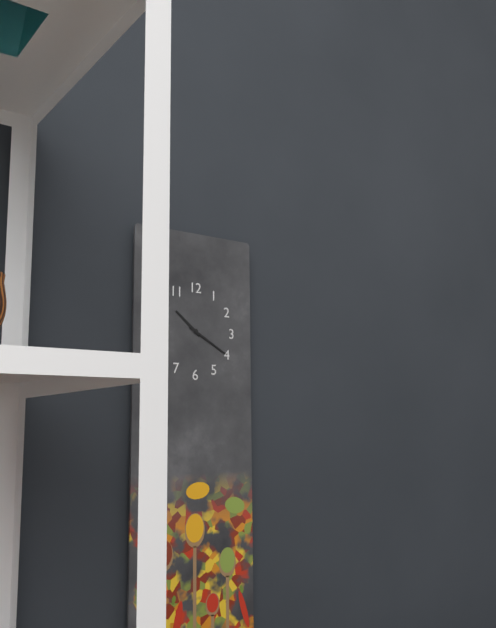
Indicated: **10:20**
